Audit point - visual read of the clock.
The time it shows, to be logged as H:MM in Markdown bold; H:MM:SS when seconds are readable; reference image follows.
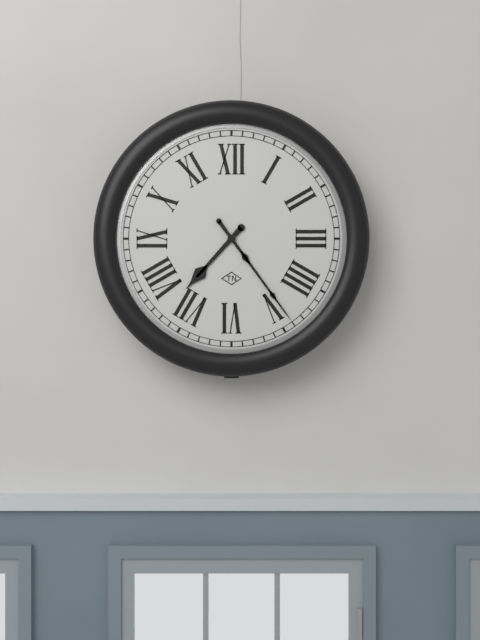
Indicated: **7:24**
